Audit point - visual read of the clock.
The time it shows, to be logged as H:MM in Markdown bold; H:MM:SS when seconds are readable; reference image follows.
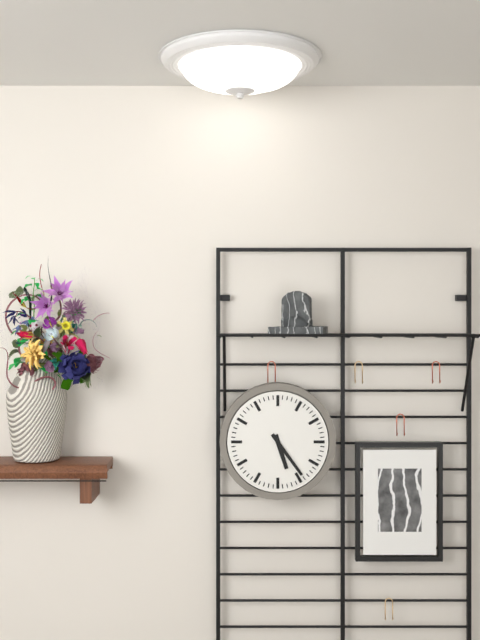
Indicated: **5:24**
